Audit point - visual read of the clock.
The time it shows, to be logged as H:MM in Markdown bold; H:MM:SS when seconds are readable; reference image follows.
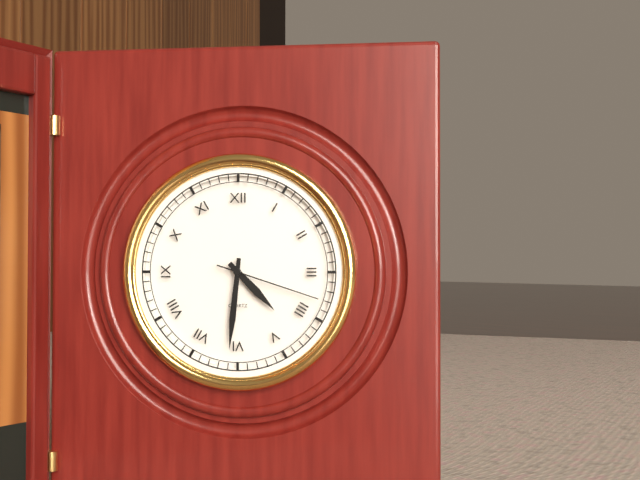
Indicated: **4:31:18**
